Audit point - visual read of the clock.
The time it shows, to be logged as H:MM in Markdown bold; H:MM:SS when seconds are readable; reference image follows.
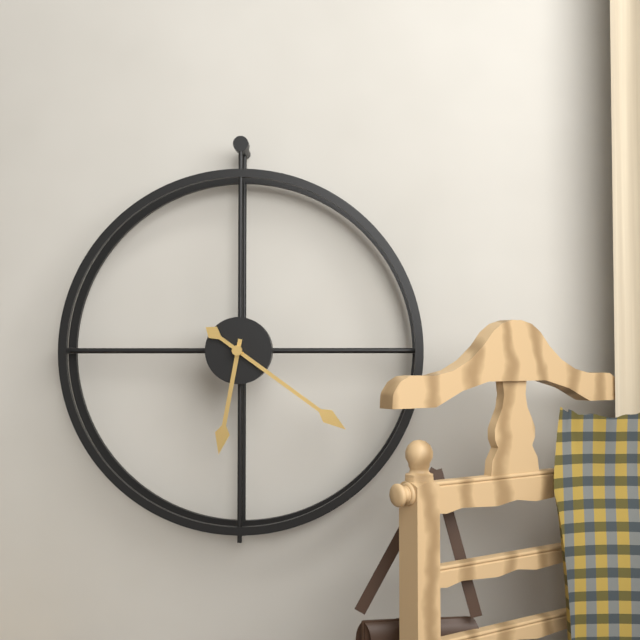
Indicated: **6:21**
